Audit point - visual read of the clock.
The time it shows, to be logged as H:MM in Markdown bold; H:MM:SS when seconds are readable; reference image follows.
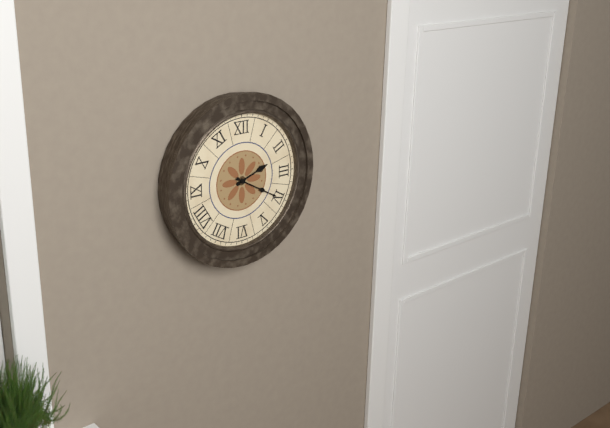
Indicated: **2:20**
